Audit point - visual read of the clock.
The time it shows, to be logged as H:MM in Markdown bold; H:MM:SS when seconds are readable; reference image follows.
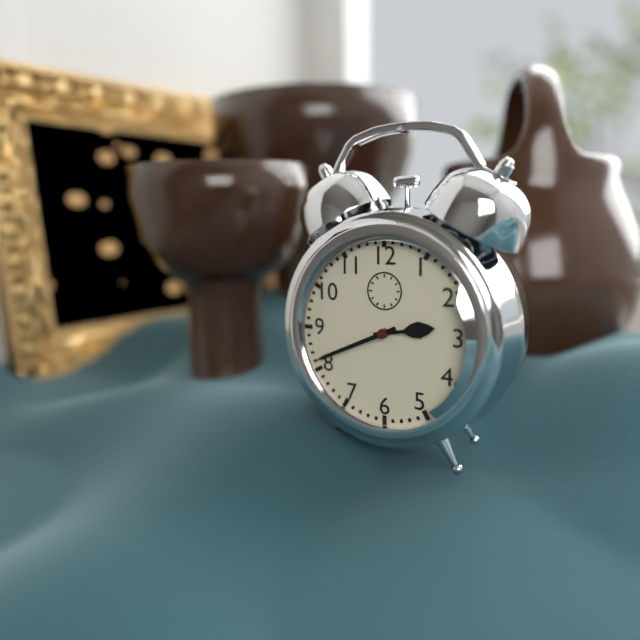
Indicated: **2:41**
